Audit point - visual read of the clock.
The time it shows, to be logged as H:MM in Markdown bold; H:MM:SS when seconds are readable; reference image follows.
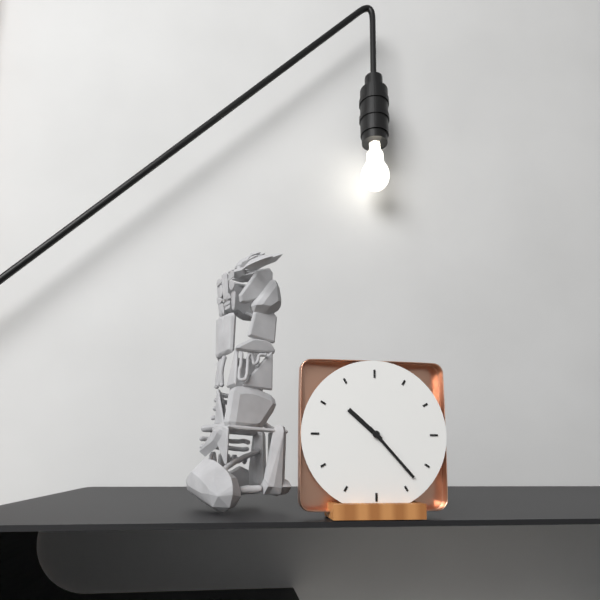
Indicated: **10:23**
